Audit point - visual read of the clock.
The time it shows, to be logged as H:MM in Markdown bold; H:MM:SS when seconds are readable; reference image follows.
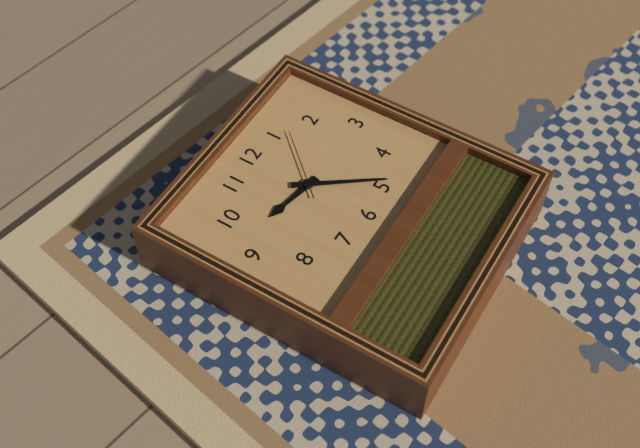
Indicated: **9:24:07**
